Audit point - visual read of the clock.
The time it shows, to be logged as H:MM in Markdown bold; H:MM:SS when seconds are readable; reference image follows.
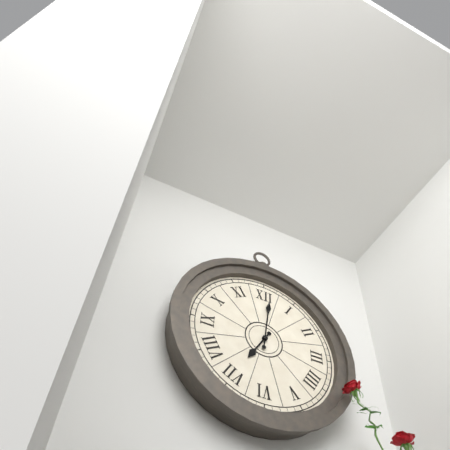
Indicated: **7:01**
